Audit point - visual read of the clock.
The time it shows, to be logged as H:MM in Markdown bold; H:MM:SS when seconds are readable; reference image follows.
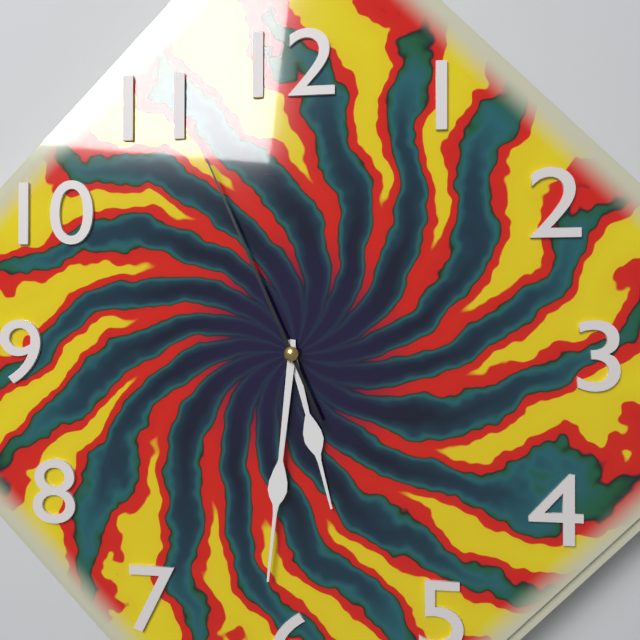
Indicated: **5:31:56**
